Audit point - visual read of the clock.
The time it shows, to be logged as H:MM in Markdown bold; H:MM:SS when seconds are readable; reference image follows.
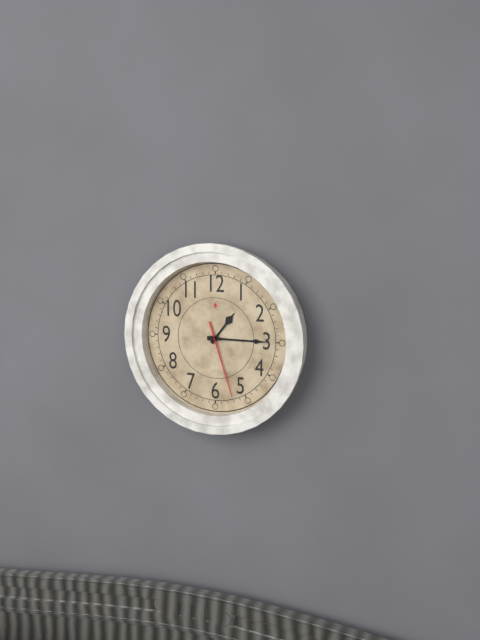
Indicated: **1:15:27**
